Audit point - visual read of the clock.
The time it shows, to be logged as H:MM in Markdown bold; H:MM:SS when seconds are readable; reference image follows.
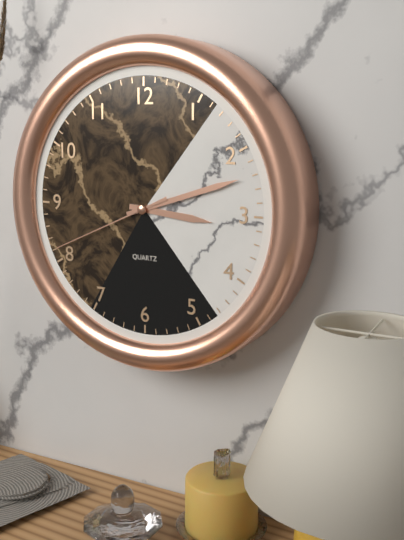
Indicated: **3:12:41**
